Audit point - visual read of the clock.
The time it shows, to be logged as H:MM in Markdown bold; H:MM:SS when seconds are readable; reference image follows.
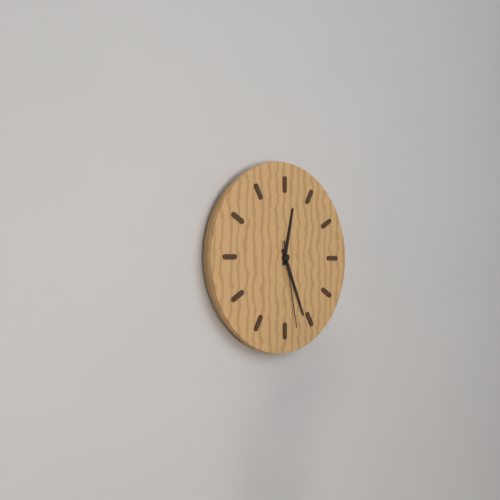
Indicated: **12:26:28**
